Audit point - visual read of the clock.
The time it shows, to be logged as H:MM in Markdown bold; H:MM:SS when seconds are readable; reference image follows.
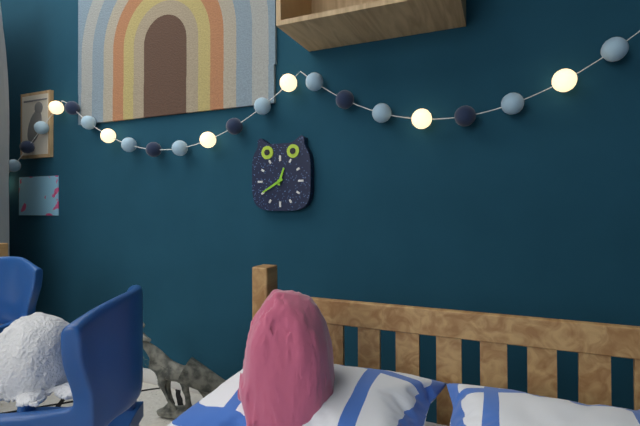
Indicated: **12:40**
